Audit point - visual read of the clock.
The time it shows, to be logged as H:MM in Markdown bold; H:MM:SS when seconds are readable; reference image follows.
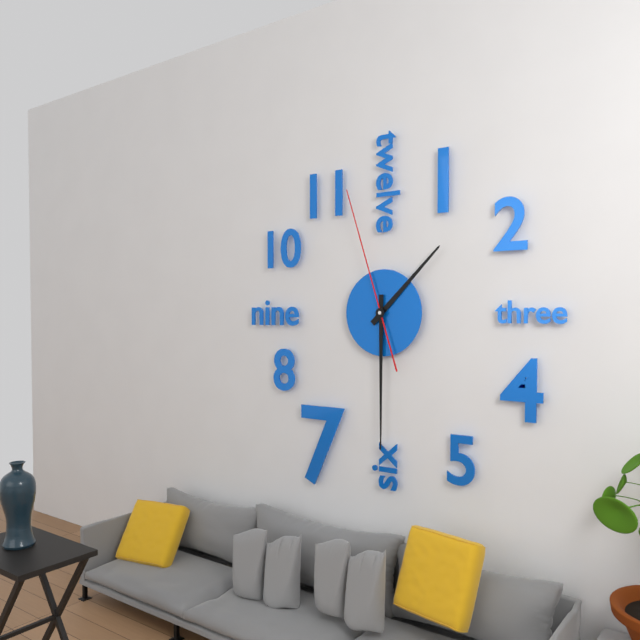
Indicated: **1:30:57**
